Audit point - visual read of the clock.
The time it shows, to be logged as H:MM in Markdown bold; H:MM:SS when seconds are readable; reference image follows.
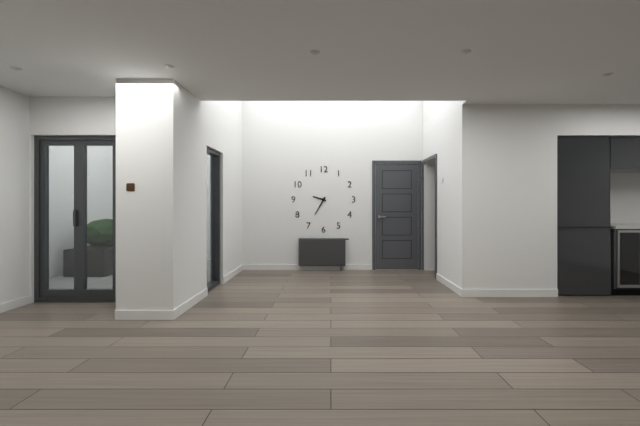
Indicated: **9:35**
